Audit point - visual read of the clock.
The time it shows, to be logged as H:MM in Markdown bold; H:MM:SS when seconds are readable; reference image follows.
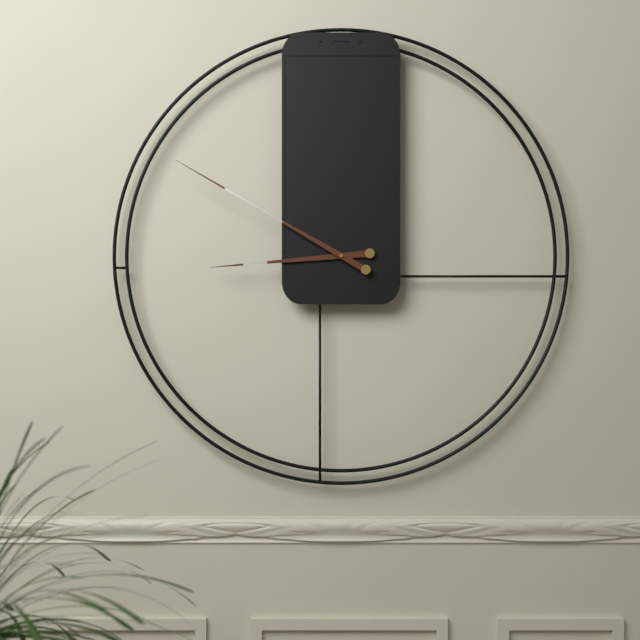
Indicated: **8:50**
